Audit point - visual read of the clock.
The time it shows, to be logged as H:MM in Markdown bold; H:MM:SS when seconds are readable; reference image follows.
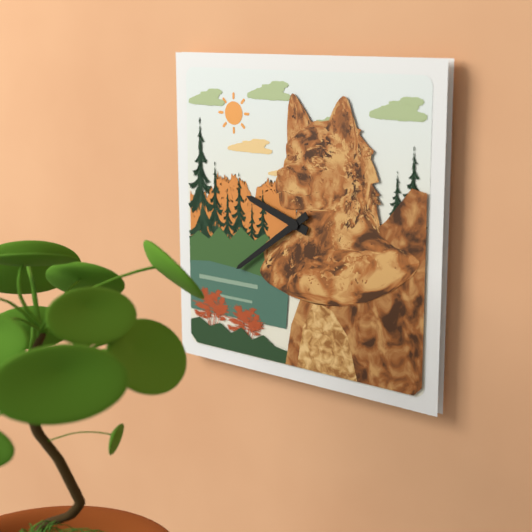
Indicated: **9:39**
